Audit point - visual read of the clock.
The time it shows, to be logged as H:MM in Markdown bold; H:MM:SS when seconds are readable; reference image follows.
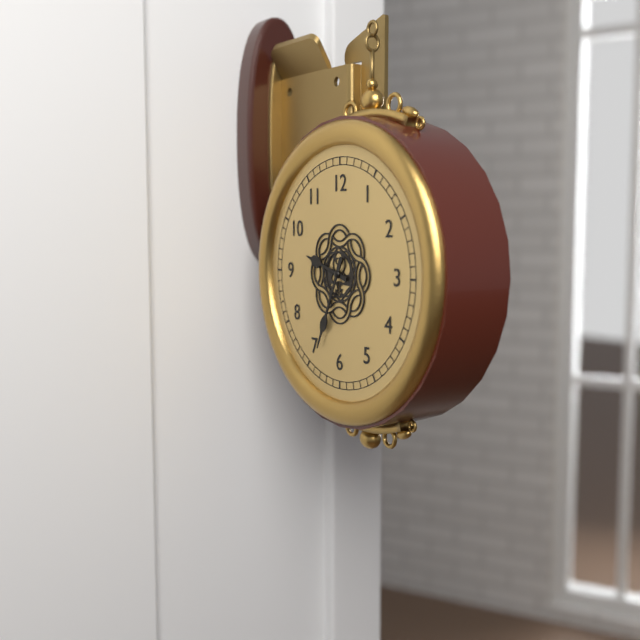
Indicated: **9:34**
